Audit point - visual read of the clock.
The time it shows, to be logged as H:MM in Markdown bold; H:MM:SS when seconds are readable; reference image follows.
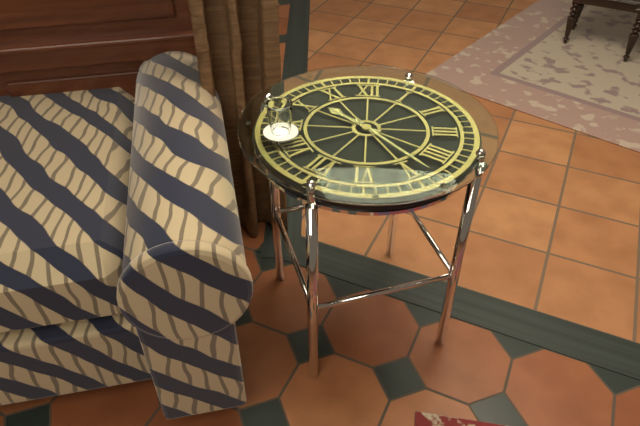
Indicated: **10:23**
